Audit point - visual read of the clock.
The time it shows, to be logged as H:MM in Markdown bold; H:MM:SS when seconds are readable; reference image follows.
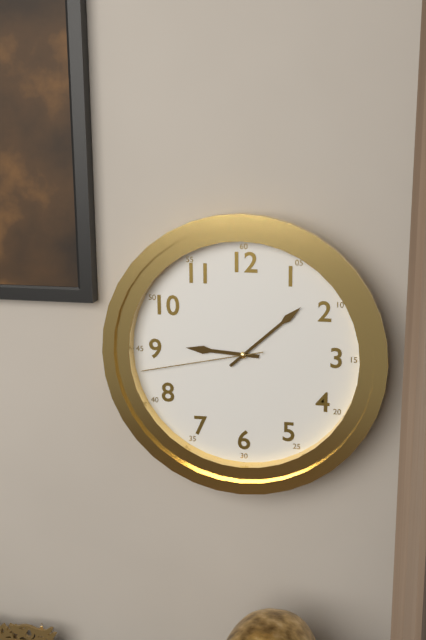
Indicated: **9:08:43**
